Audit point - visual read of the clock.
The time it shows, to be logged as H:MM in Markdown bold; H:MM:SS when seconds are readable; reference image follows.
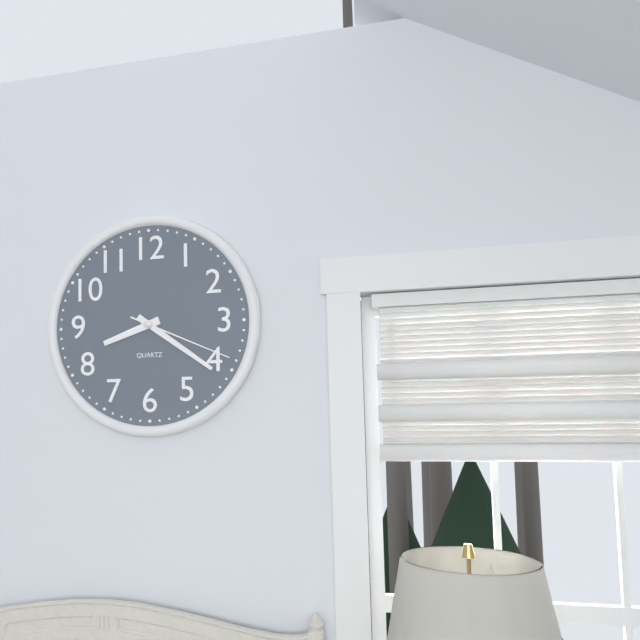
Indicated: **8:21:19**
